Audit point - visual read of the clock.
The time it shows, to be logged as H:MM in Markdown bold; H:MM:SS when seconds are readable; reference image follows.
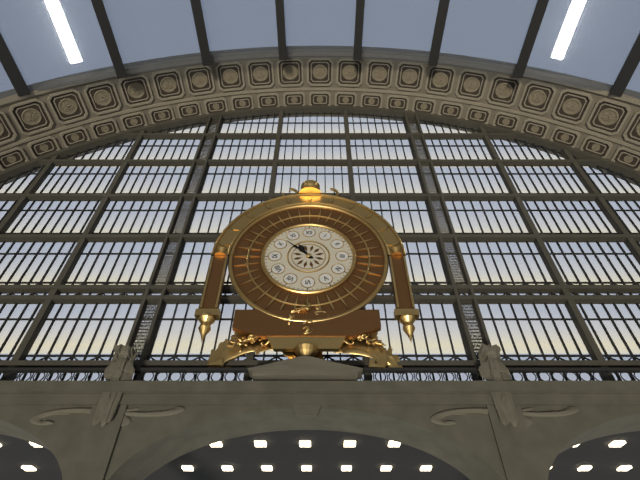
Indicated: **10:52**
